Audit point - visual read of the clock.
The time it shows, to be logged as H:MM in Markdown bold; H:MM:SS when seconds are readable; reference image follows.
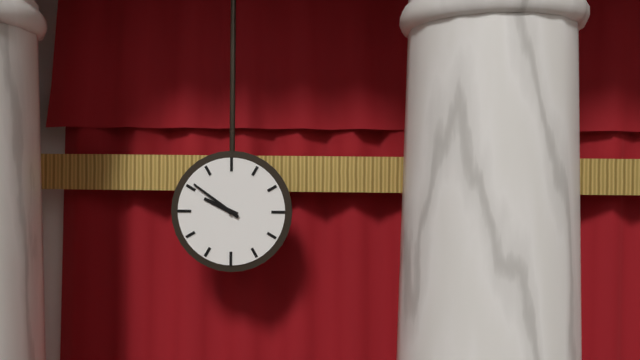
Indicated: **9:51**
